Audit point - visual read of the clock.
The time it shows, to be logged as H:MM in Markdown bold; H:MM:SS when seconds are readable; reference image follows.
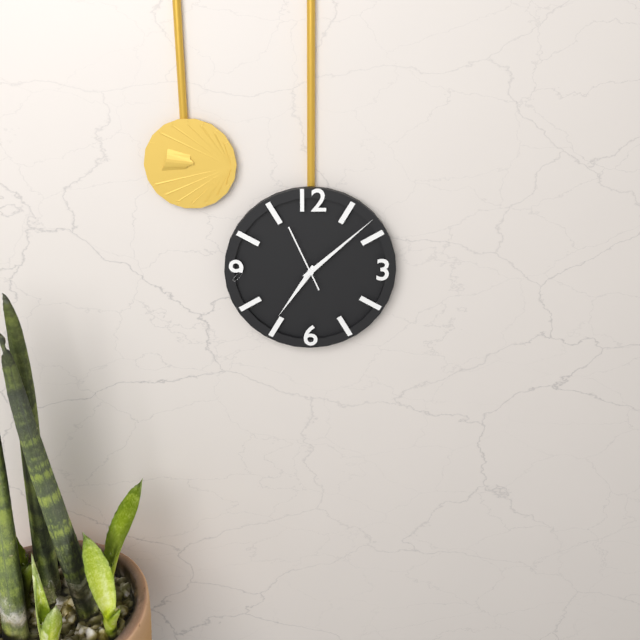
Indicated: **7:08:56**
